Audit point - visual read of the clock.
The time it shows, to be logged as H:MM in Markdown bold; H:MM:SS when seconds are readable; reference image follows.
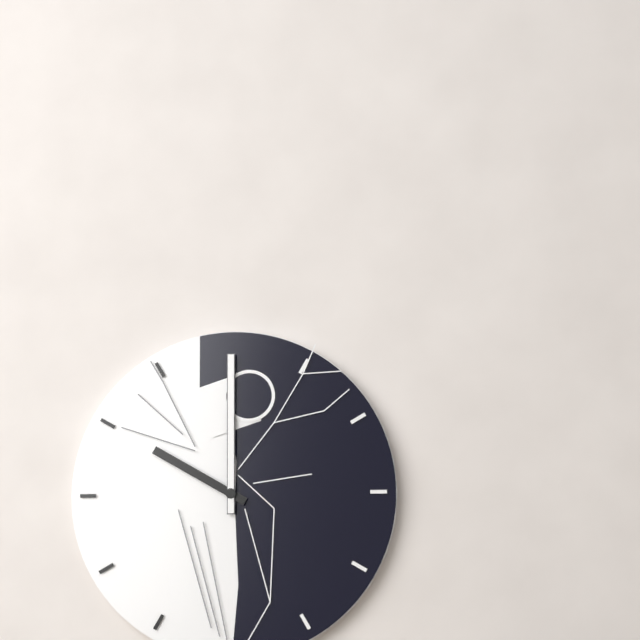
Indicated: **10:00**
